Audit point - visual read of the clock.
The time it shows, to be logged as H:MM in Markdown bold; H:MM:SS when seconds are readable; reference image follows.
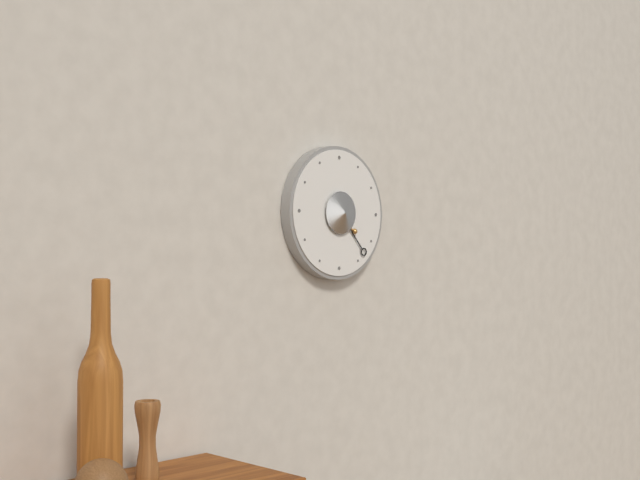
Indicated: **4:23**
